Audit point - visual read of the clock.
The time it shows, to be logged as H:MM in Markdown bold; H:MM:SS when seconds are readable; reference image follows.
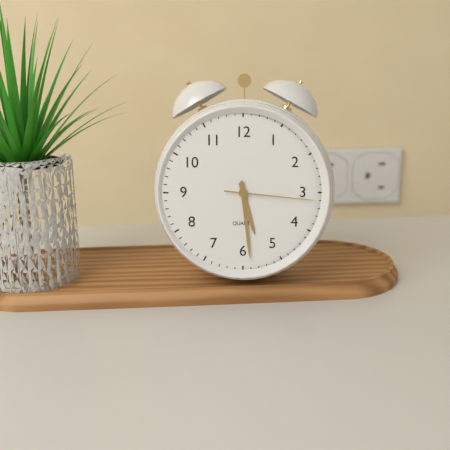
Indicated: **5:29:16**
